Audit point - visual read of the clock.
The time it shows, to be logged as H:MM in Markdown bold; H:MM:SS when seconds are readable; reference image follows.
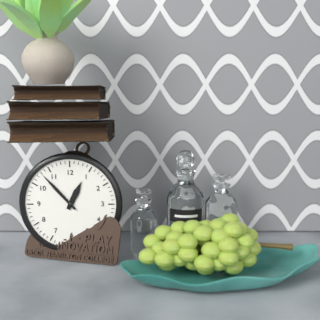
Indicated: **12:53**
